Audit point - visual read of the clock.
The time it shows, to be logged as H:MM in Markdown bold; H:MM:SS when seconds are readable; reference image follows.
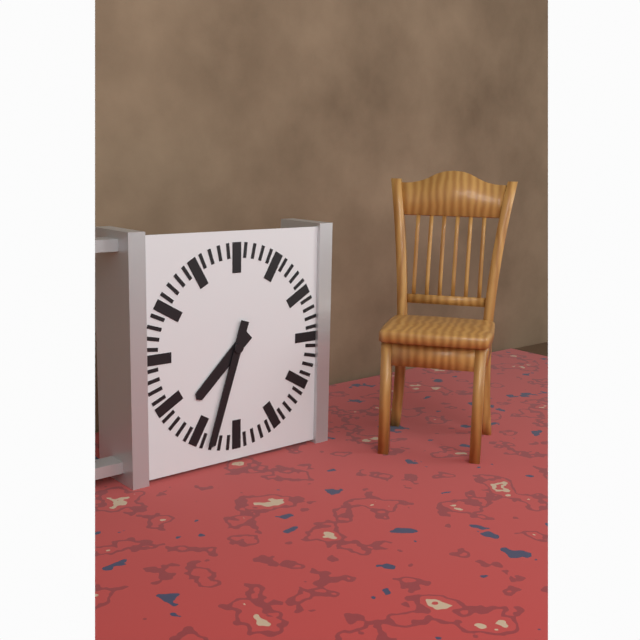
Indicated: **7:33**
